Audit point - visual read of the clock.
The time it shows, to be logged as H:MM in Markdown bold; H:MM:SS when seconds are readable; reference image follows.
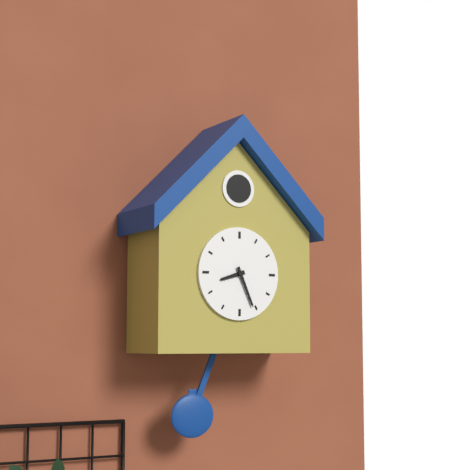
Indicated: **8:26**
